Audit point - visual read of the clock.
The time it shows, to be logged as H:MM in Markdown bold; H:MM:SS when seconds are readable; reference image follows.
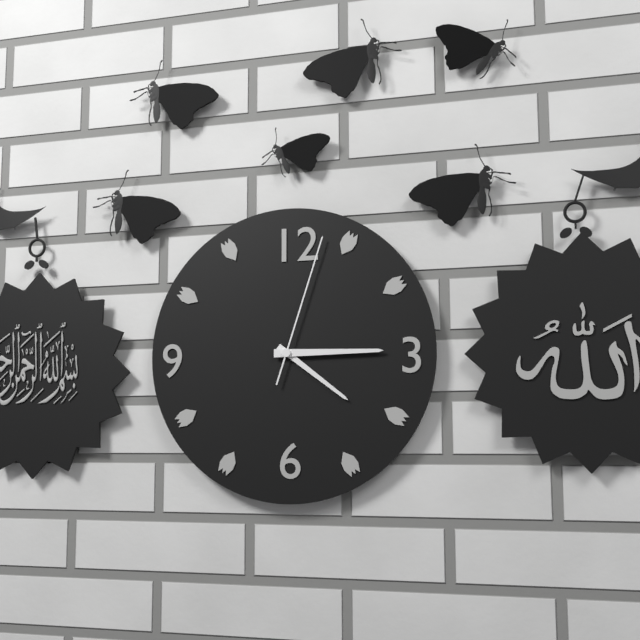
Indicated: **4:15:03**
